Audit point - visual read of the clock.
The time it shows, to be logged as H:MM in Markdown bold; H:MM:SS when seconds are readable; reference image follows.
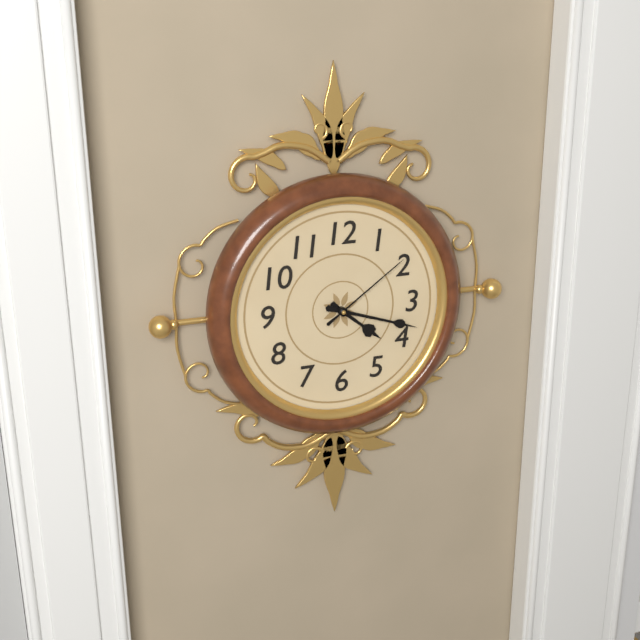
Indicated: **4:18:09**
